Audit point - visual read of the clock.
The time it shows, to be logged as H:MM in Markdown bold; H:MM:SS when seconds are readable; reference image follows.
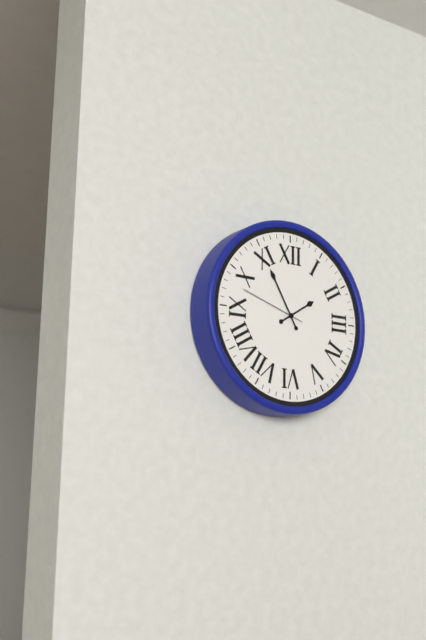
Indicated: **1:55:48**
